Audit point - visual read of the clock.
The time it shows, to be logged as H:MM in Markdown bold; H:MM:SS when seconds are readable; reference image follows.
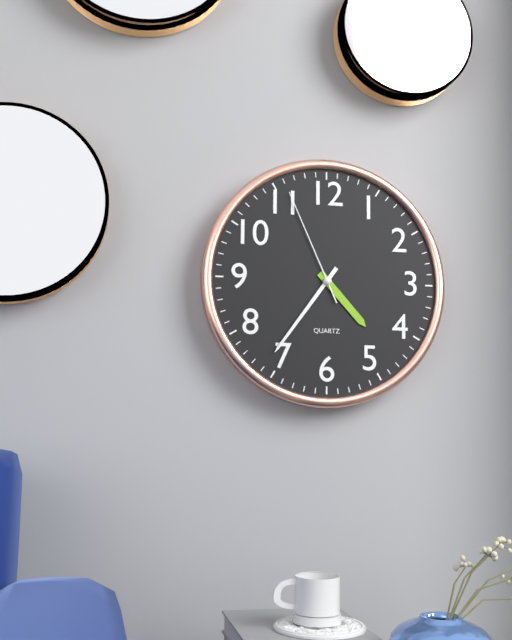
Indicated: **4:36:56**
